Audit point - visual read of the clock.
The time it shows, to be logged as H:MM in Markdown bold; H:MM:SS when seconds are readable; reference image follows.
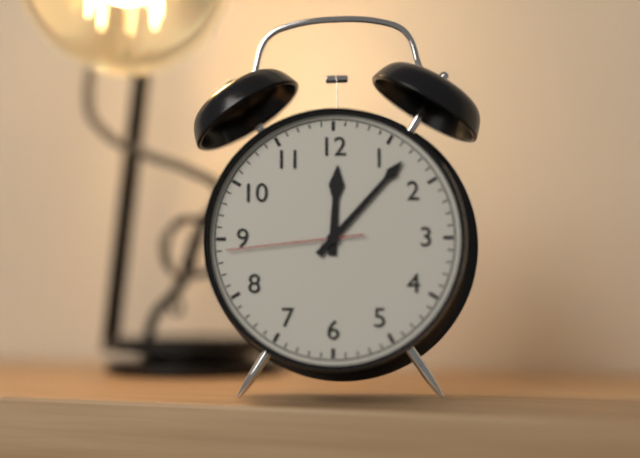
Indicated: **12:07:44**
